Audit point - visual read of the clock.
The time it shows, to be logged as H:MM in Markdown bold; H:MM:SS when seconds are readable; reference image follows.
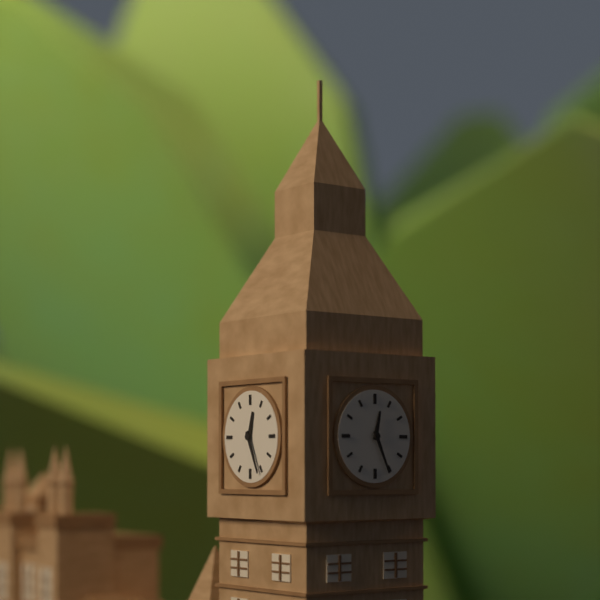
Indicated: **12:26**
